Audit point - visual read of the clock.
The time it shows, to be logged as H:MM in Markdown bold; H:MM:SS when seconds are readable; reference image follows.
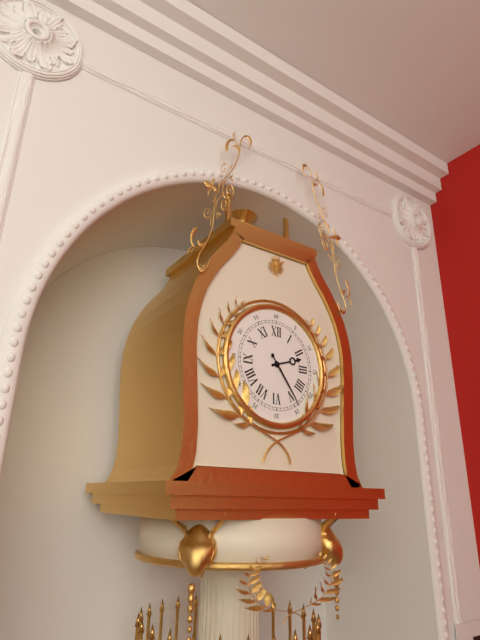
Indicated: **2:24**
